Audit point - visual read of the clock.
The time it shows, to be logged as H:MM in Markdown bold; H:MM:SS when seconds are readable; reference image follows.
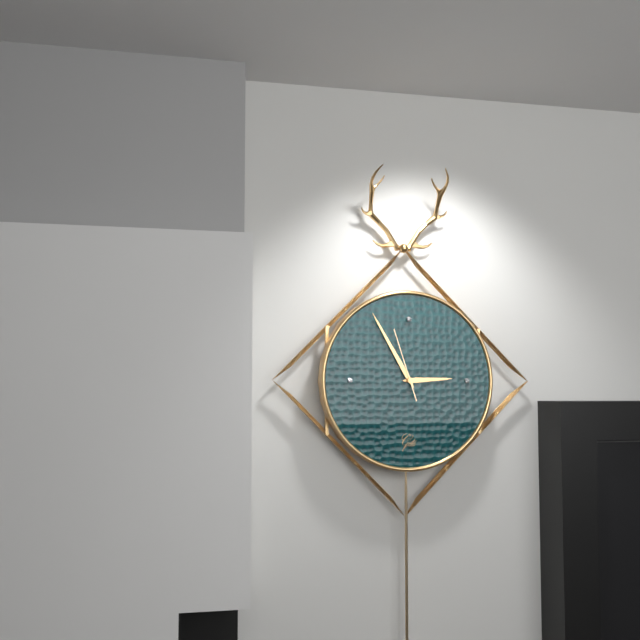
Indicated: **2:55:57**
